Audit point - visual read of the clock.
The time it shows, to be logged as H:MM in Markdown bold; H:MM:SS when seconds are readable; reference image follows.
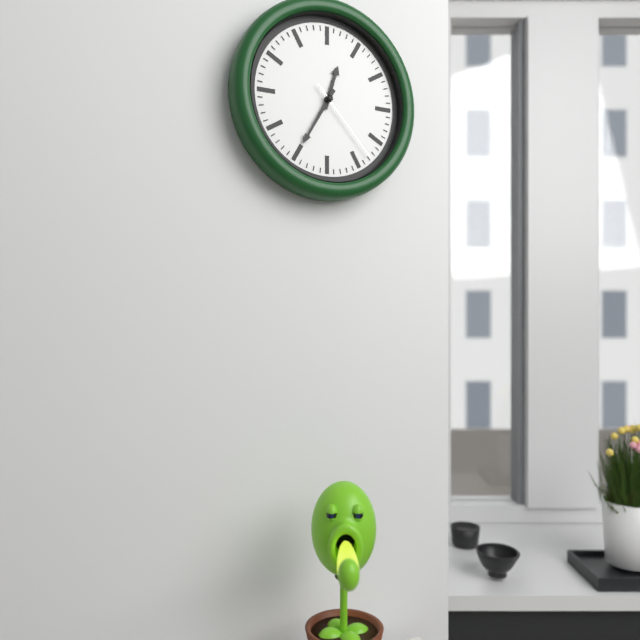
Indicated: **12:35:23**
